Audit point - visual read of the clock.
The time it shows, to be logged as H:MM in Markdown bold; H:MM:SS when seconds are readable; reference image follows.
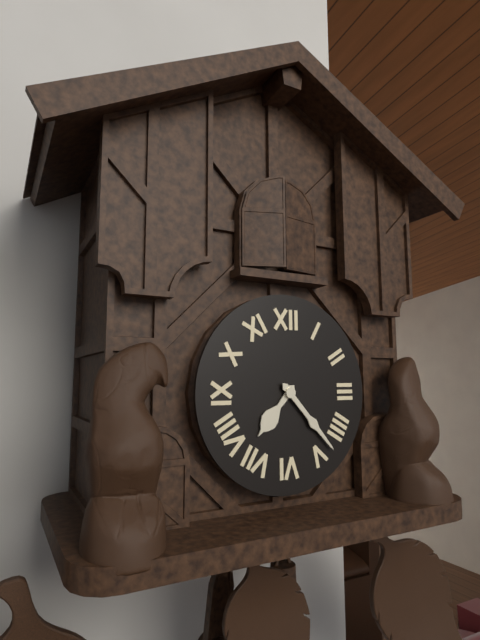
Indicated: **7:23**
